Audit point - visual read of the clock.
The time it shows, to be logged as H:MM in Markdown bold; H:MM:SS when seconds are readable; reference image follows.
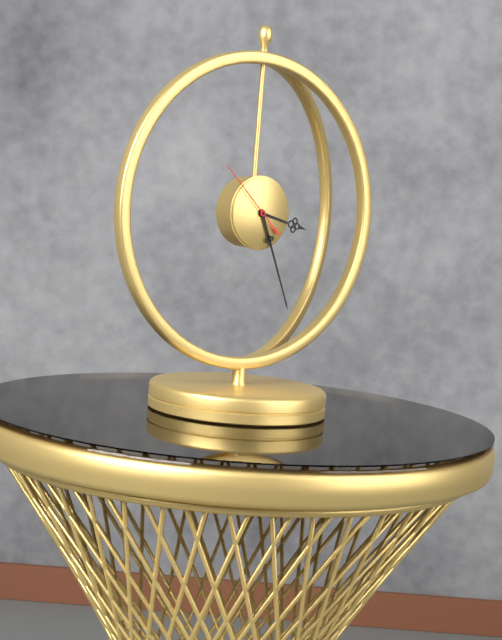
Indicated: **3:26:52**
